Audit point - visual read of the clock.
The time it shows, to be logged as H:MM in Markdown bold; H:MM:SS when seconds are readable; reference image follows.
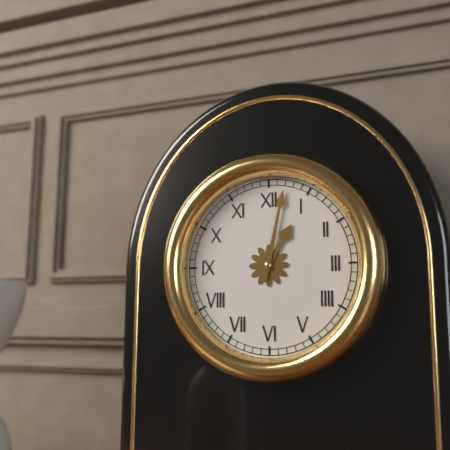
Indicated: **1:02**
